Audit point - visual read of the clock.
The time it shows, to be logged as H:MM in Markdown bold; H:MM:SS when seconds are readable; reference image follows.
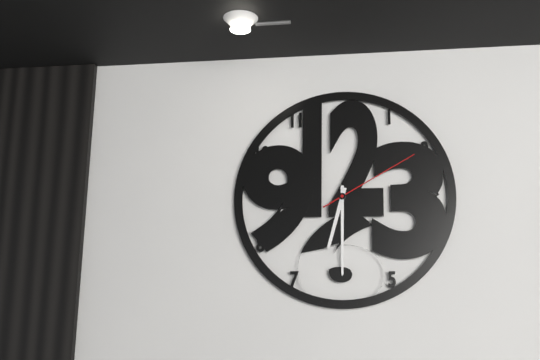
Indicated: **6:30:10**
